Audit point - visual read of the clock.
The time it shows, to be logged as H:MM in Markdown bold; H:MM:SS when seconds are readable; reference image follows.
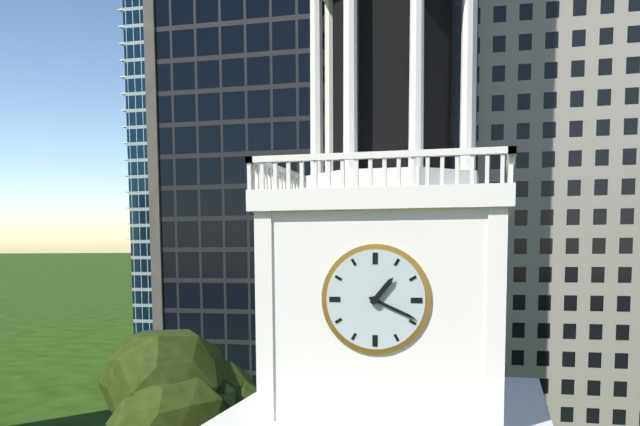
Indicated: **1:19**
